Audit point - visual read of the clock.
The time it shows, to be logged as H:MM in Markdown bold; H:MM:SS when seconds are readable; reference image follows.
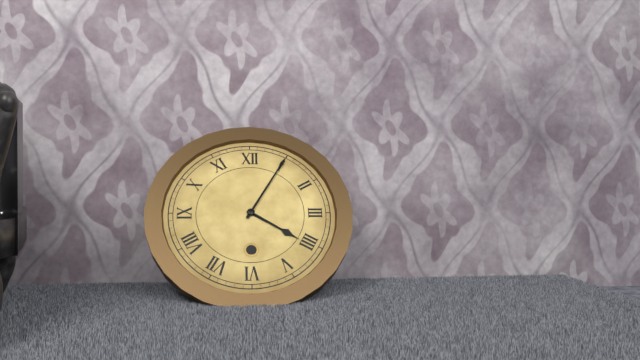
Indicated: **4:05**
